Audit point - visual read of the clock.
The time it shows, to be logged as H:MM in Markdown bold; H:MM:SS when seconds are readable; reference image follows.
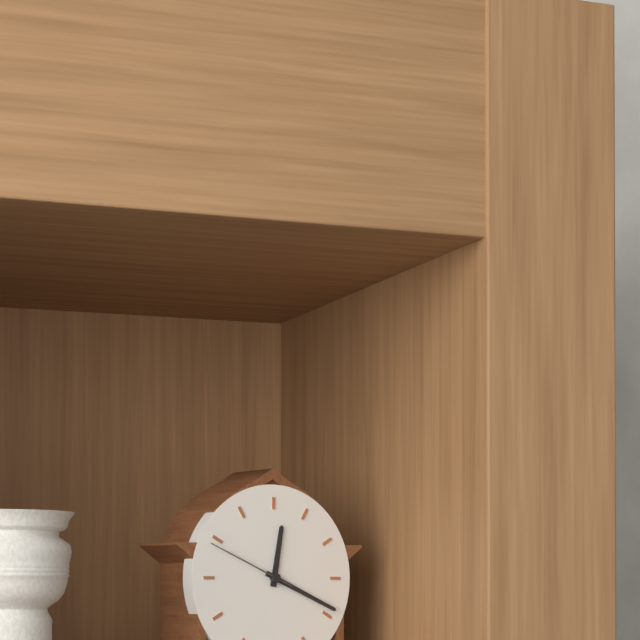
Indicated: **12:19:49**
